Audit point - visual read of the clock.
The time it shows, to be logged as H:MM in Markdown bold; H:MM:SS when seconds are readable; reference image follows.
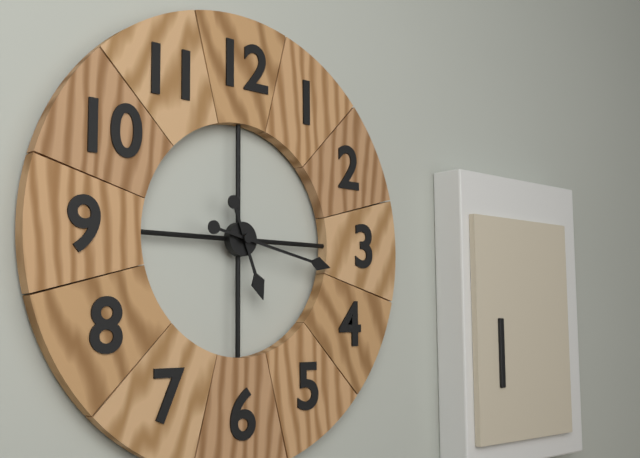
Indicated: **5:17**
